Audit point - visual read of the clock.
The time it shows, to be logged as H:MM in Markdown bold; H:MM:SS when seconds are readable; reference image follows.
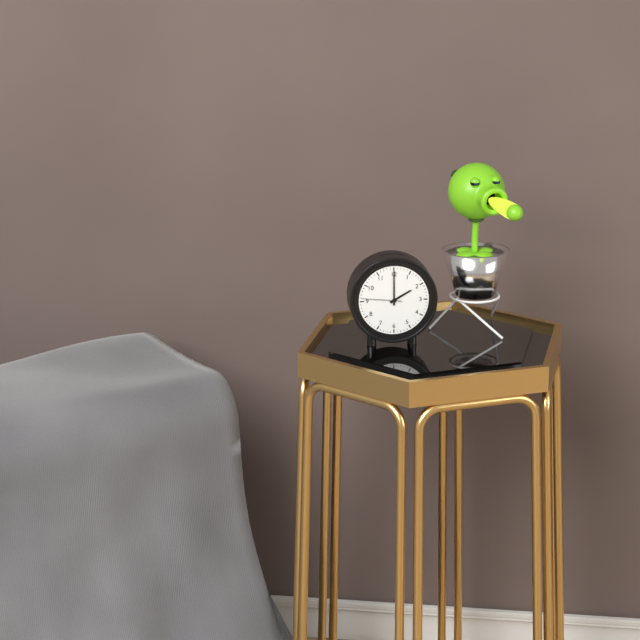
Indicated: **2:00**
